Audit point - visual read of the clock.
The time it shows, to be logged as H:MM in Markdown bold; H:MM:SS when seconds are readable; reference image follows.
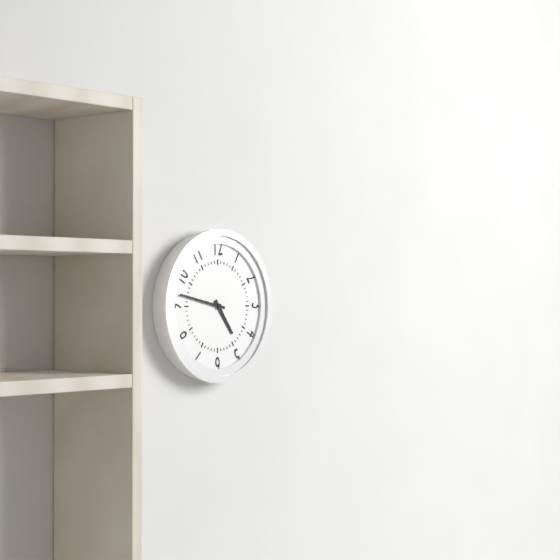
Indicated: **4:47**
